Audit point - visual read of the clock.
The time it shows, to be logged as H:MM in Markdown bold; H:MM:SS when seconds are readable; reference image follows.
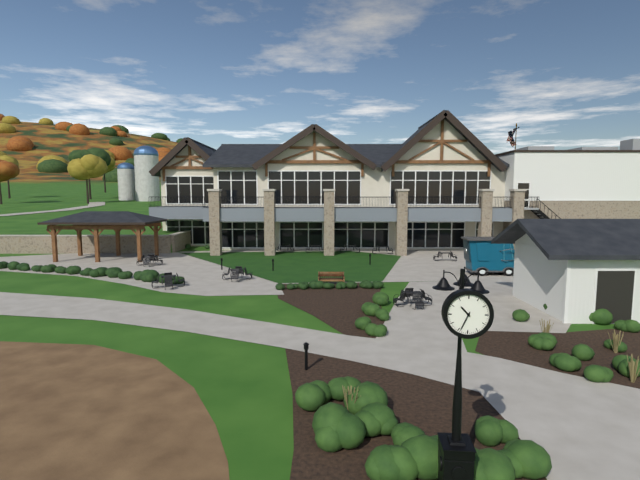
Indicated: **10:34**
